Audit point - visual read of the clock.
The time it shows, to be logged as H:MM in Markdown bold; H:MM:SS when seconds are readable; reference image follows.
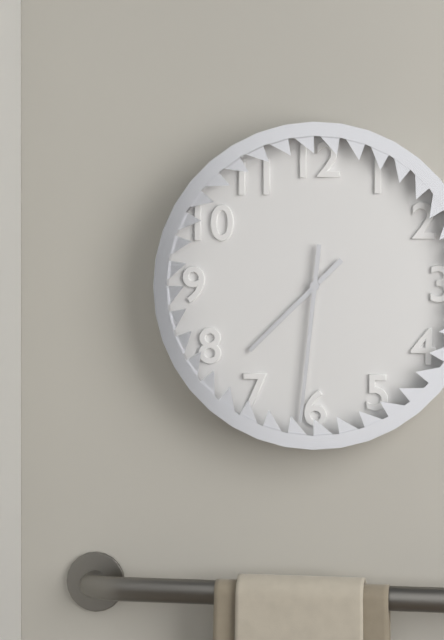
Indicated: **7:31**
